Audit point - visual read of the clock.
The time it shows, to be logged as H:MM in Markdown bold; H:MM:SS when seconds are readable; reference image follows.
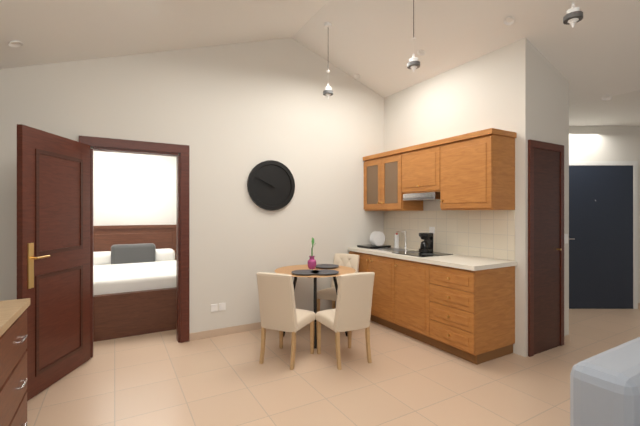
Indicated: **9:49**
